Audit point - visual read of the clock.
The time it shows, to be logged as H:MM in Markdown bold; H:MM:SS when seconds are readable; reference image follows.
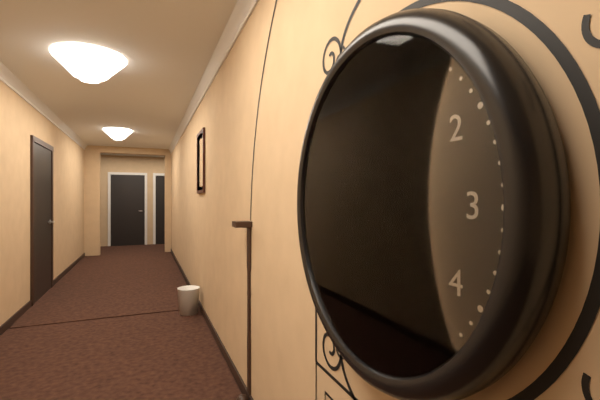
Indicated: **11:34**
